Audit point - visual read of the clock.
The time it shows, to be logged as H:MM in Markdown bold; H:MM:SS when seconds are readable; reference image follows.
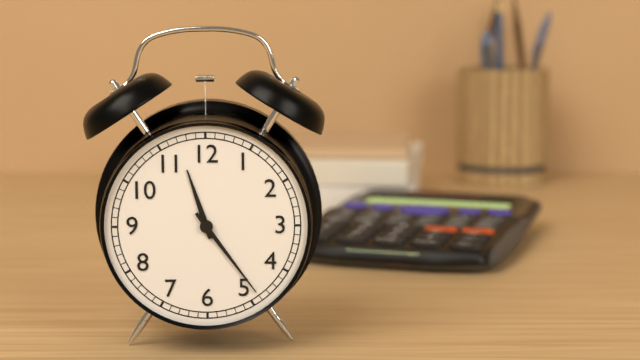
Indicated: **11:24**
